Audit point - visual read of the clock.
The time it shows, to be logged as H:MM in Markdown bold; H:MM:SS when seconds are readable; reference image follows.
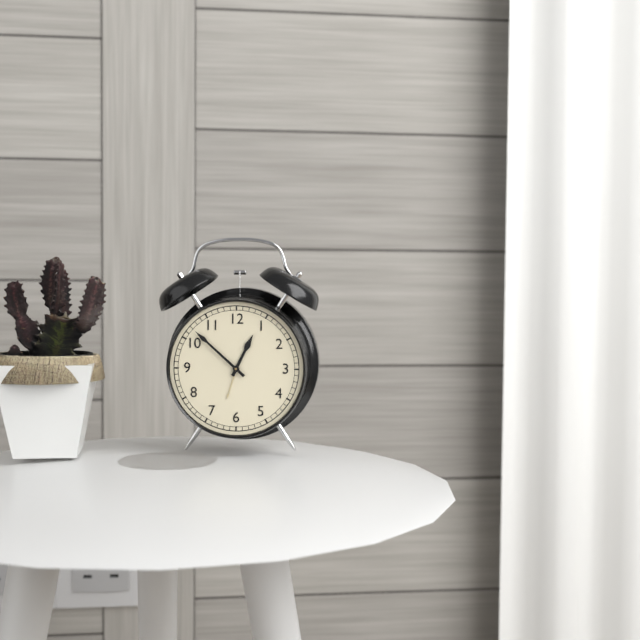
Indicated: **12:52**
